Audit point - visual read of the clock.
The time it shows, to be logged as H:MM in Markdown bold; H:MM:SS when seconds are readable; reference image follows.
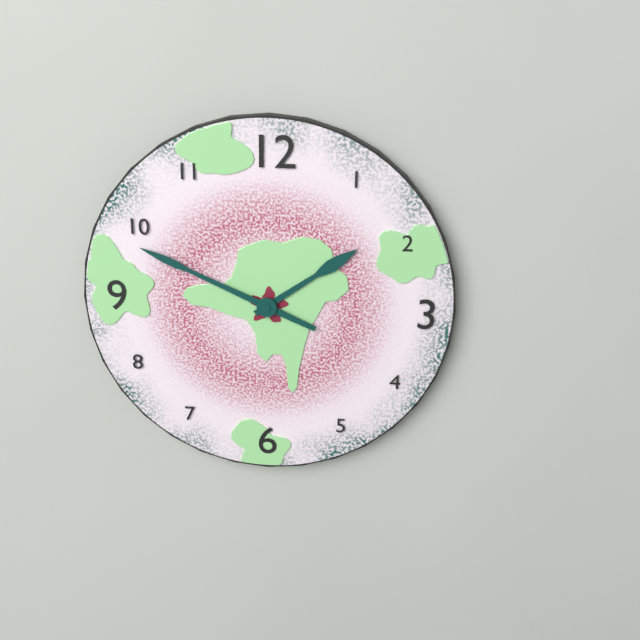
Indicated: **1:49**
